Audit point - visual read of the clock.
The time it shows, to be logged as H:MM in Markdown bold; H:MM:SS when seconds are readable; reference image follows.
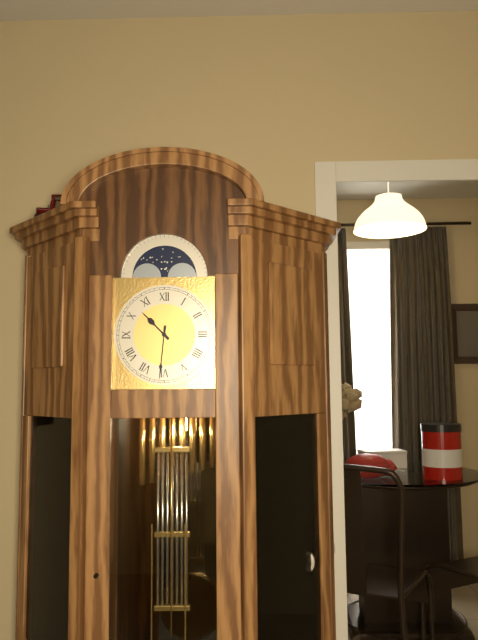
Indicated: **10:31**
